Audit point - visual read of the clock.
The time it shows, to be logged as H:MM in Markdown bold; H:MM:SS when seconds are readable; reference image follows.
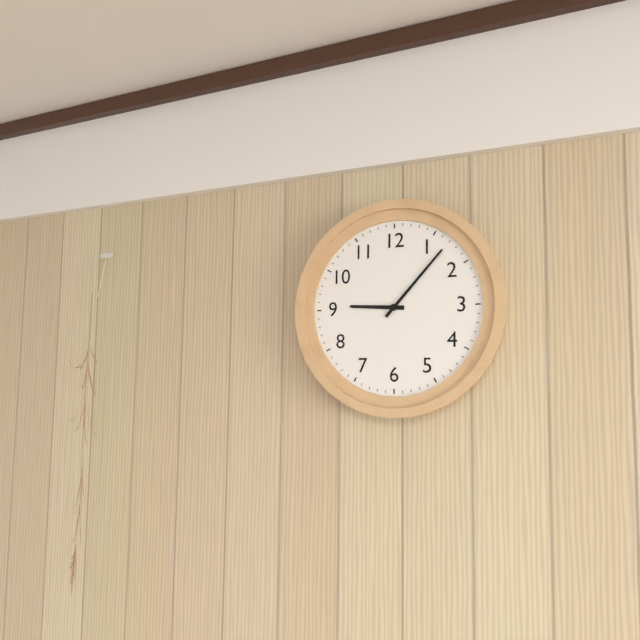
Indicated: **9:07**
